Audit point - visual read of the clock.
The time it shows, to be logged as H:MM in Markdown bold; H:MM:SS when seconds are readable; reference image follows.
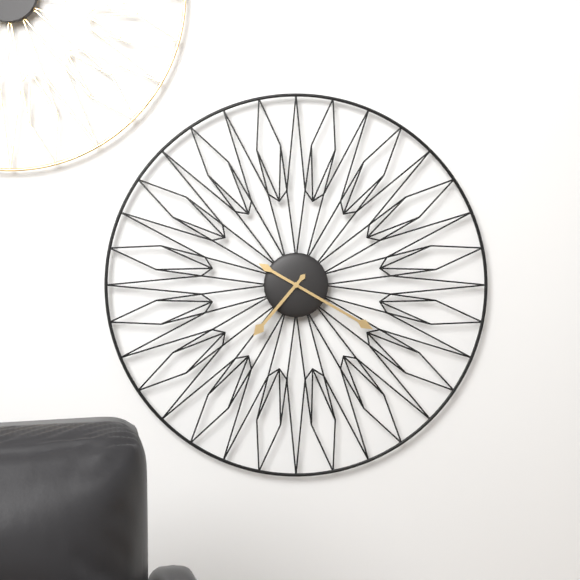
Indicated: **7:20**
